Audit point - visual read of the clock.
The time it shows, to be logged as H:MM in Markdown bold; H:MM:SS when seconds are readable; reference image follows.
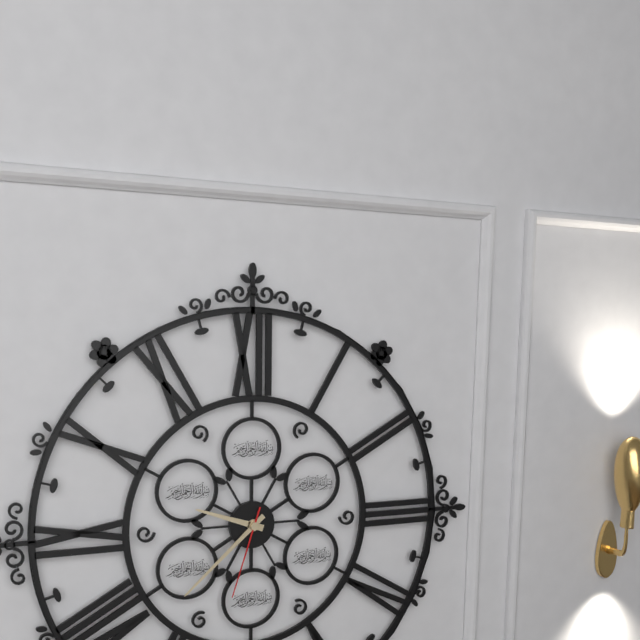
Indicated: **9:38:33**
